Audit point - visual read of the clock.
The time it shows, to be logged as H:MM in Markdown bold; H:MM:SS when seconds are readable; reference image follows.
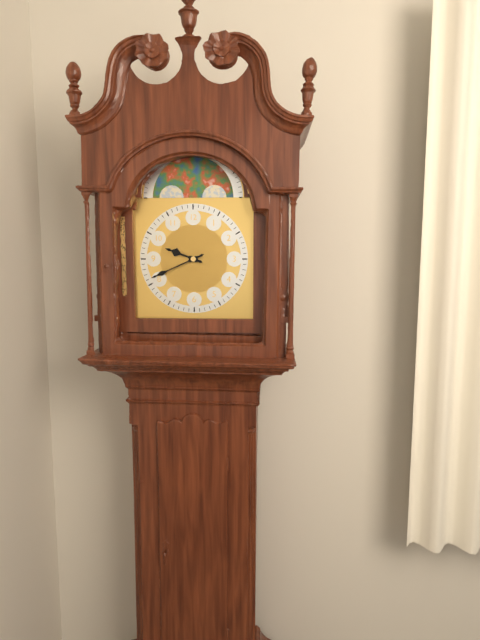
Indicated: **9:41**
